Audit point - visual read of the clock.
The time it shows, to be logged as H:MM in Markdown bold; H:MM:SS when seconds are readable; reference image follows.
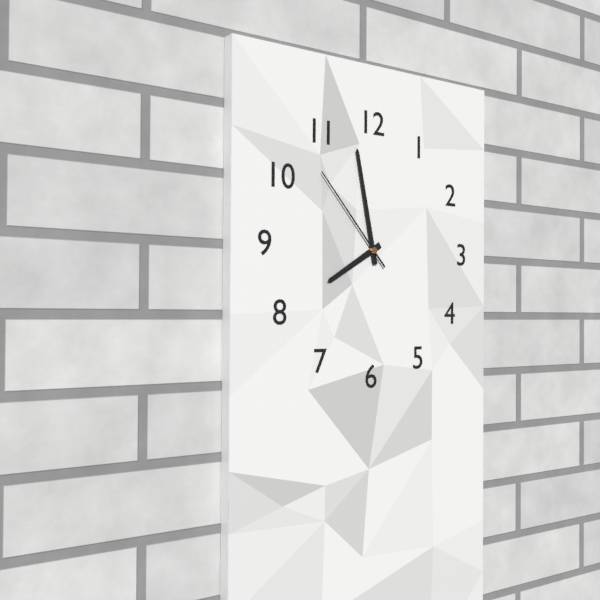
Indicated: **7:58:53**
